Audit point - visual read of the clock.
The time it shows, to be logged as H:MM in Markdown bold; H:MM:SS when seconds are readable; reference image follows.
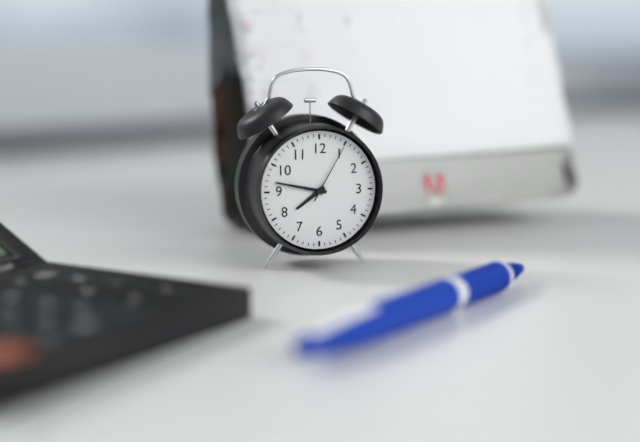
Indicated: **7:47:05**
